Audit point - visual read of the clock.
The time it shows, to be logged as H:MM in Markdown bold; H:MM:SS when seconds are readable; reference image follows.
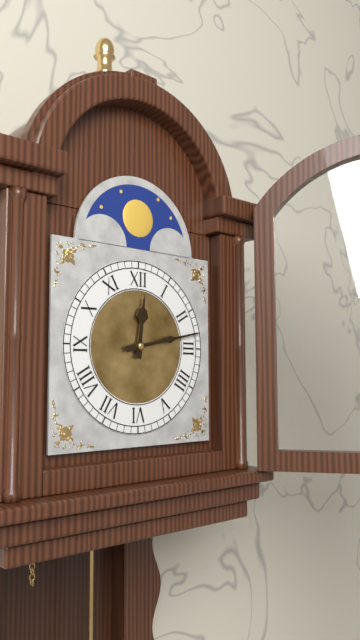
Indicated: **12:13**
